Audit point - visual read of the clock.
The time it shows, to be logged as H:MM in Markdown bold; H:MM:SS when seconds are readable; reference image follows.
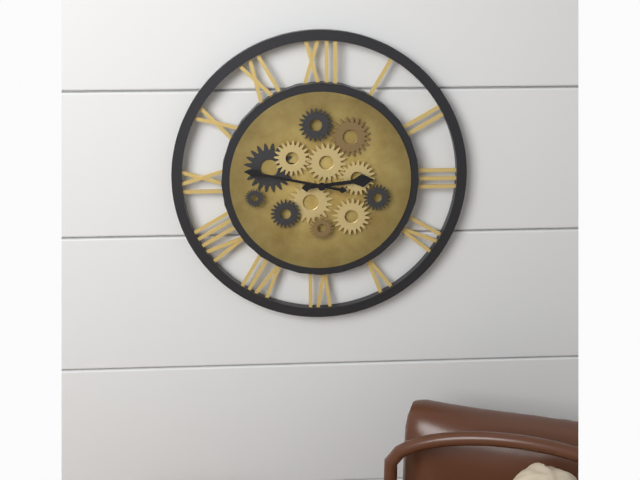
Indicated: **2:47**
